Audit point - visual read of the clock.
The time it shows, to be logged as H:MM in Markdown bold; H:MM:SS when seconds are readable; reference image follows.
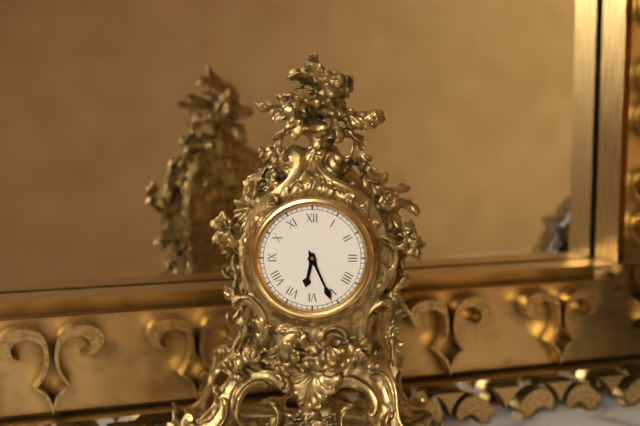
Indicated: **6:26**
